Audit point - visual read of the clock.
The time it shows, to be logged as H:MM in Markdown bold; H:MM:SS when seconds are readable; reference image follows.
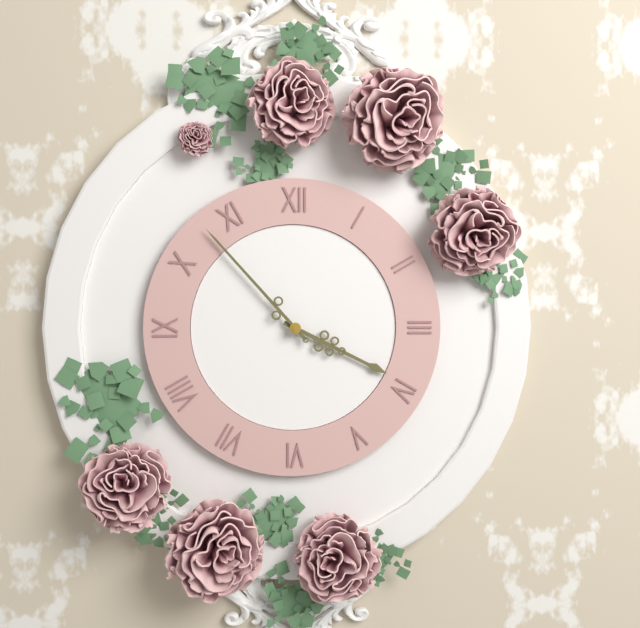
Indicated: **3:53**
